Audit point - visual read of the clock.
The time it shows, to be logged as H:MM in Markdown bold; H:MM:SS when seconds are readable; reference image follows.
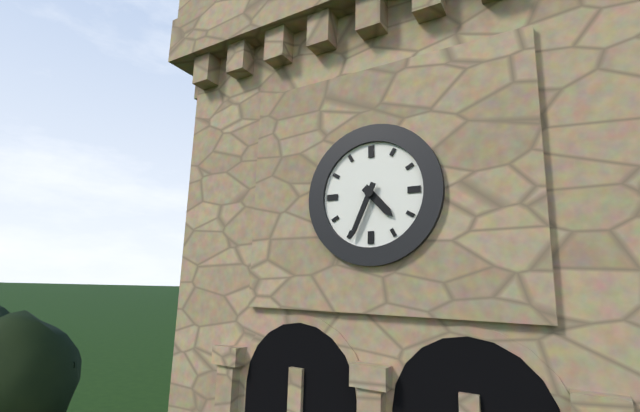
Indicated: **4:34**
